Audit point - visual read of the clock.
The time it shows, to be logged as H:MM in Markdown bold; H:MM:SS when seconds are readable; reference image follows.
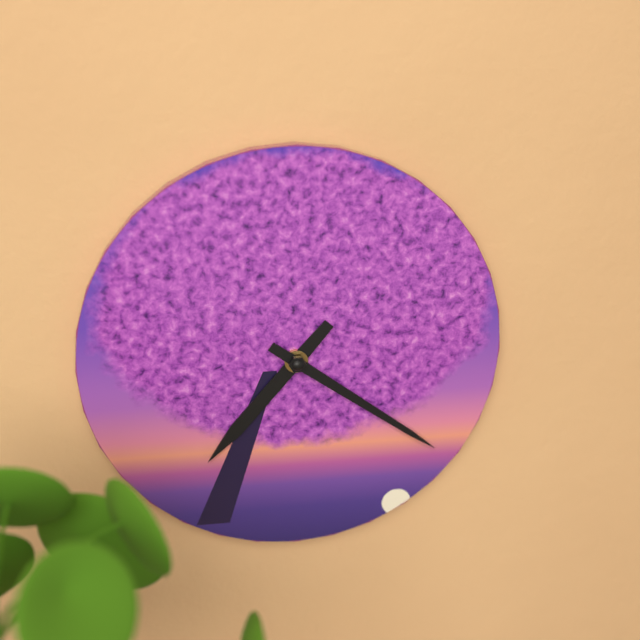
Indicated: **7:21**
